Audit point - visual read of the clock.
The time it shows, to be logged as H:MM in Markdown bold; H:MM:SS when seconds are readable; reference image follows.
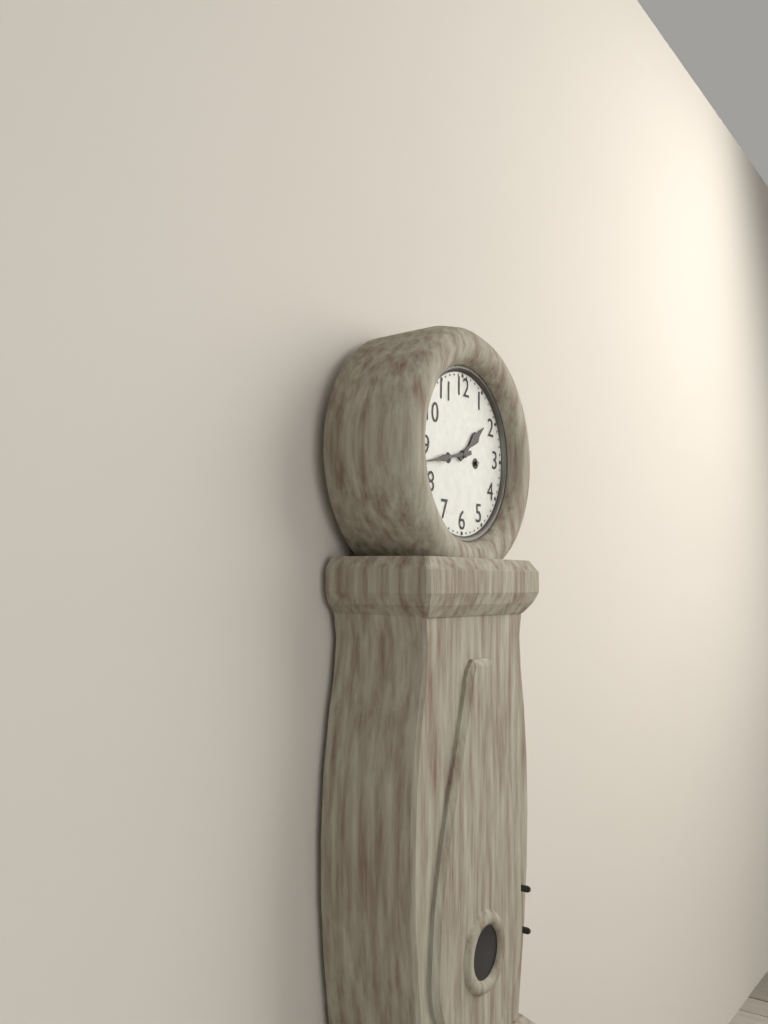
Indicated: **1:43**
